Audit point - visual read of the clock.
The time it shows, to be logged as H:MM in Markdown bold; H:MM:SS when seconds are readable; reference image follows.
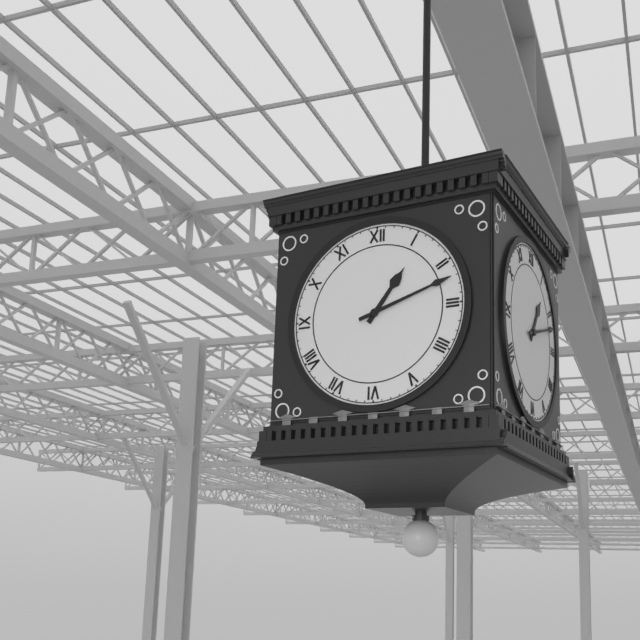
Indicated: **1:12**
